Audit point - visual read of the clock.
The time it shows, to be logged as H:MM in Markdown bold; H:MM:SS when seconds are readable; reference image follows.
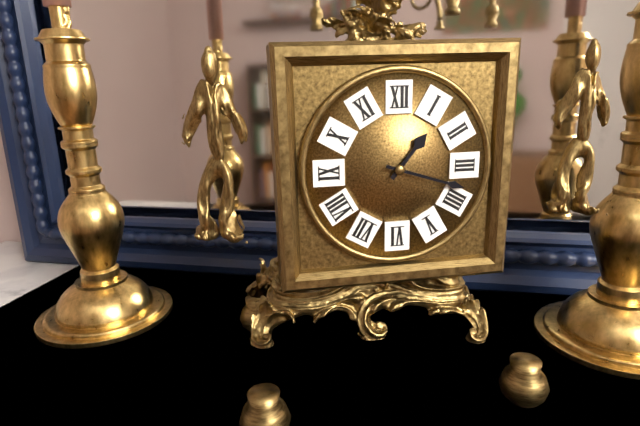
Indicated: **1:18**
